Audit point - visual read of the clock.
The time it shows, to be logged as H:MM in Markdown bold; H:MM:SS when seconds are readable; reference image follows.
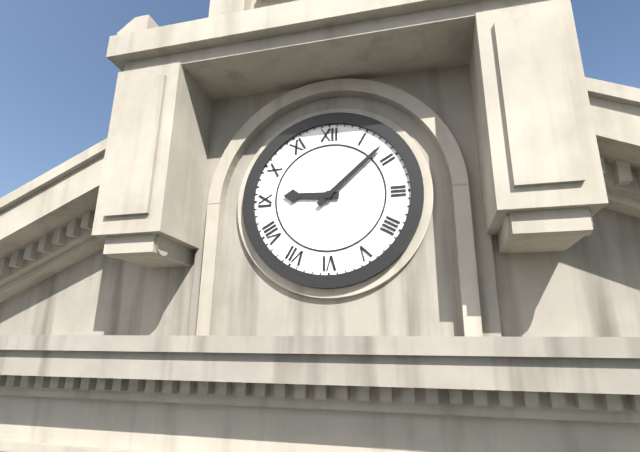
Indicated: **9:08**
